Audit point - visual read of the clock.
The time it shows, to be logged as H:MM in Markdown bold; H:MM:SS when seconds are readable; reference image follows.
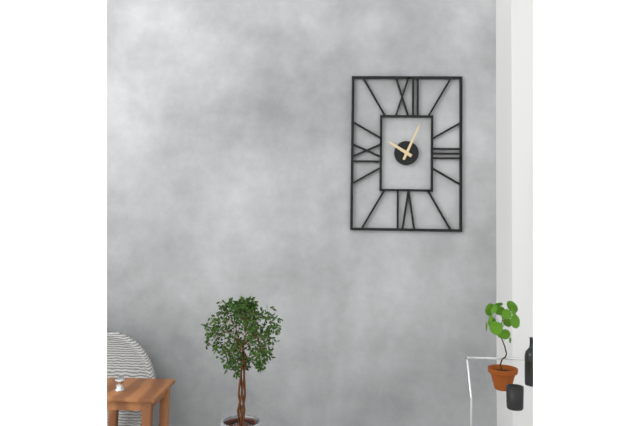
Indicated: **10:04**
